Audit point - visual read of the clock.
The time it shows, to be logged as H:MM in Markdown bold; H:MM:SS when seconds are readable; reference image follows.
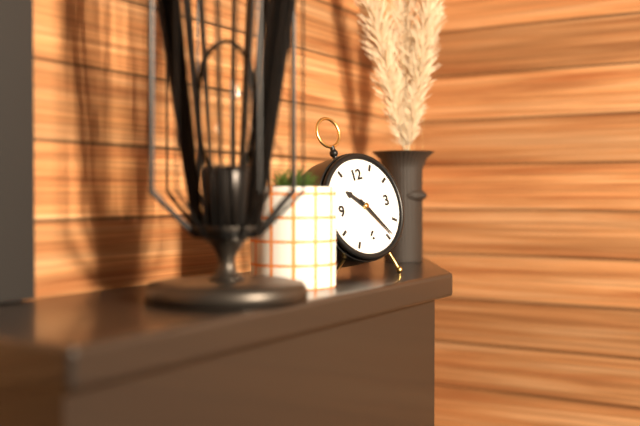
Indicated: **10:24**
